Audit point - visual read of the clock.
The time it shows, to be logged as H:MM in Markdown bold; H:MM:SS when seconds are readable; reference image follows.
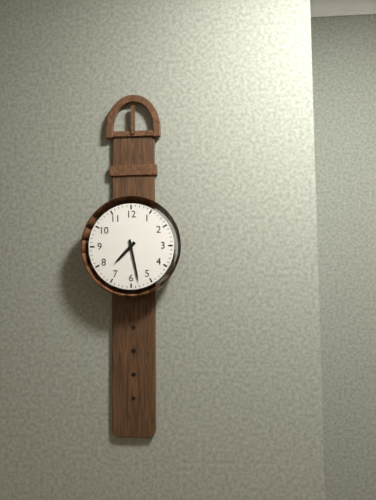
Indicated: **7:28**
